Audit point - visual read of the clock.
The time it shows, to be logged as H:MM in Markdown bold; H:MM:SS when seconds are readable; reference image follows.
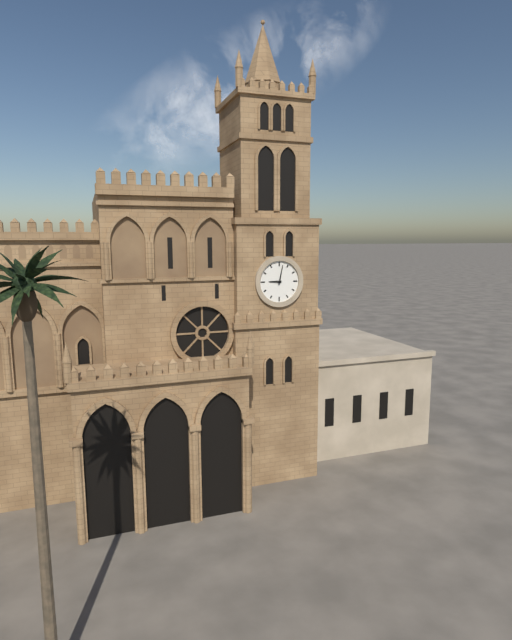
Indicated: **9:02**
